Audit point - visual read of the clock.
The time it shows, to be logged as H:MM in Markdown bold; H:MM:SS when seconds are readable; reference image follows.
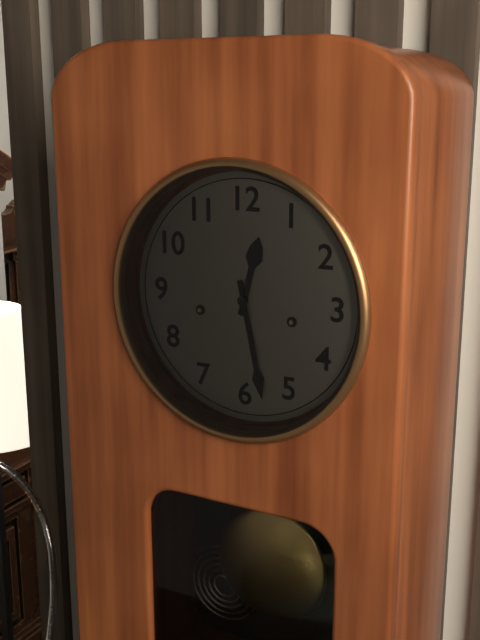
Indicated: **12:28**
